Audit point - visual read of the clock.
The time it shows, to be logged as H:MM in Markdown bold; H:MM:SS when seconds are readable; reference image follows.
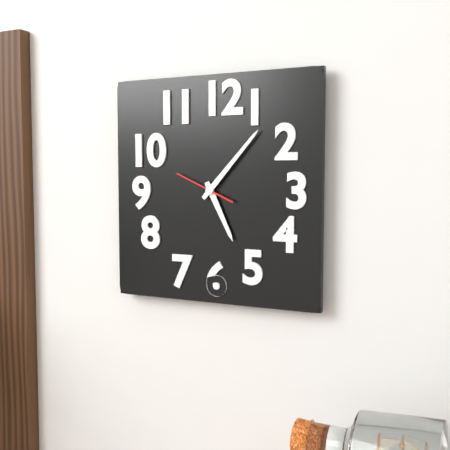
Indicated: **5:07**
